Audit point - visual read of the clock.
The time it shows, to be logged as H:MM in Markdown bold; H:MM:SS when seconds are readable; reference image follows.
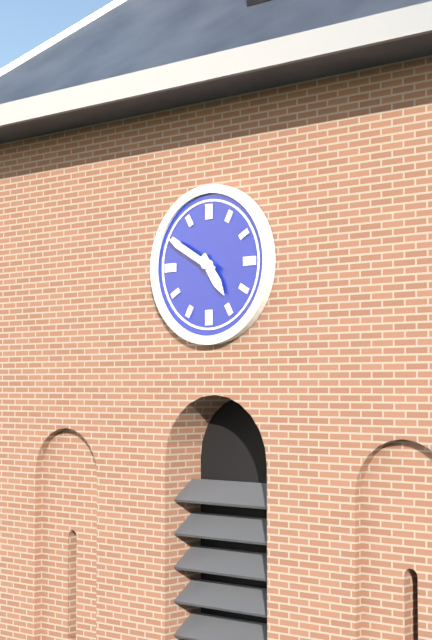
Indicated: **4:50**
